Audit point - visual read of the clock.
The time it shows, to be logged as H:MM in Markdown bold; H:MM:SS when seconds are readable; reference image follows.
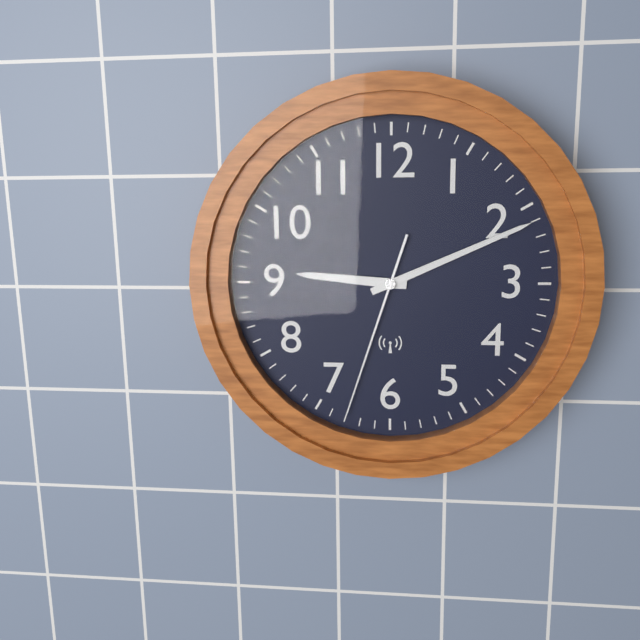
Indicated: **9:11:33**
